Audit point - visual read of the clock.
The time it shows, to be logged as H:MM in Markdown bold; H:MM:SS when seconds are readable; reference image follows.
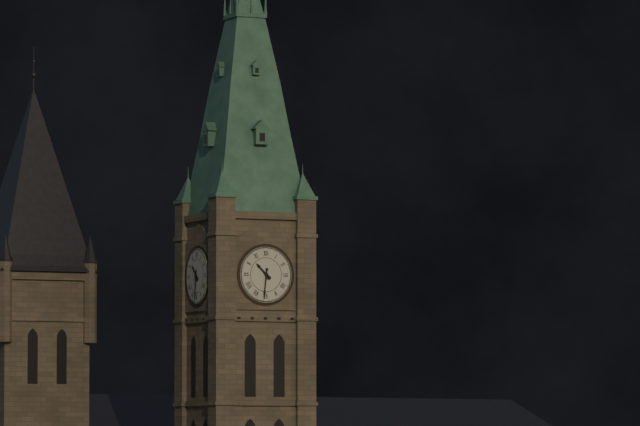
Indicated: **10:31**
